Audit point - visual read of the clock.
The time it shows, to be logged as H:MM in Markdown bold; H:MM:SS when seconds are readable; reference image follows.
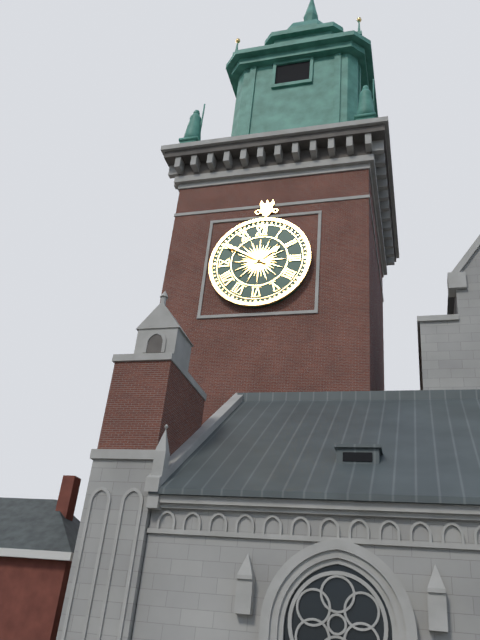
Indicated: **1:50**
